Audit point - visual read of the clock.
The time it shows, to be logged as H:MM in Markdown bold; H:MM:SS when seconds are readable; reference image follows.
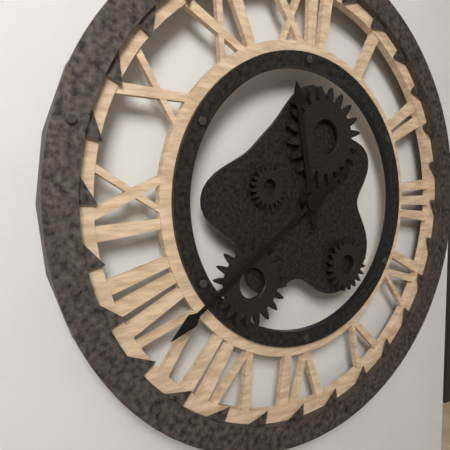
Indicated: **11:39**
